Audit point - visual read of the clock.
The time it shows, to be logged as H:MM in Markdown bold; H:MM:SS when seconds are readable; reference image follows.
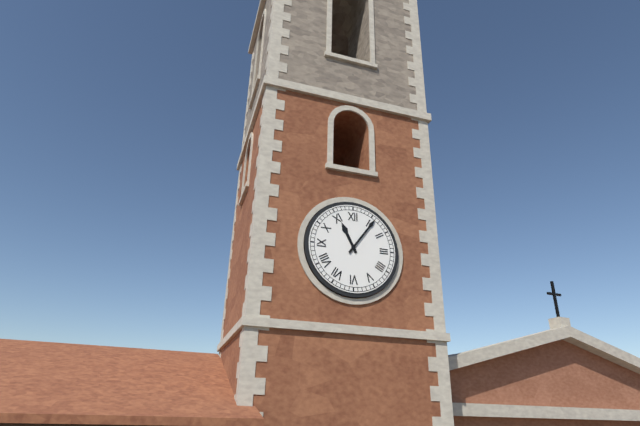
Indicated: **11:06**
